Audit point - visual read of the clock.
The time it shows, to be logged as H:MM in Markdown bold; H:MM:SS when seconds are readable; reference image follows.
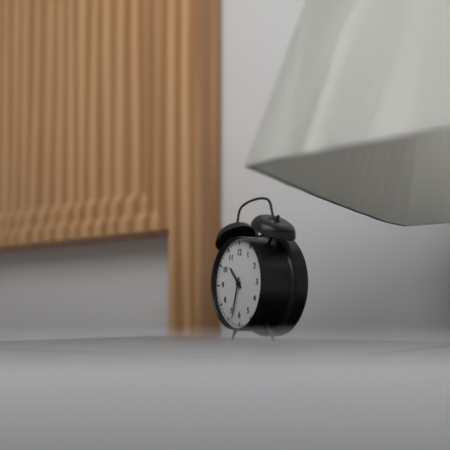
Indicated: **10:33**
